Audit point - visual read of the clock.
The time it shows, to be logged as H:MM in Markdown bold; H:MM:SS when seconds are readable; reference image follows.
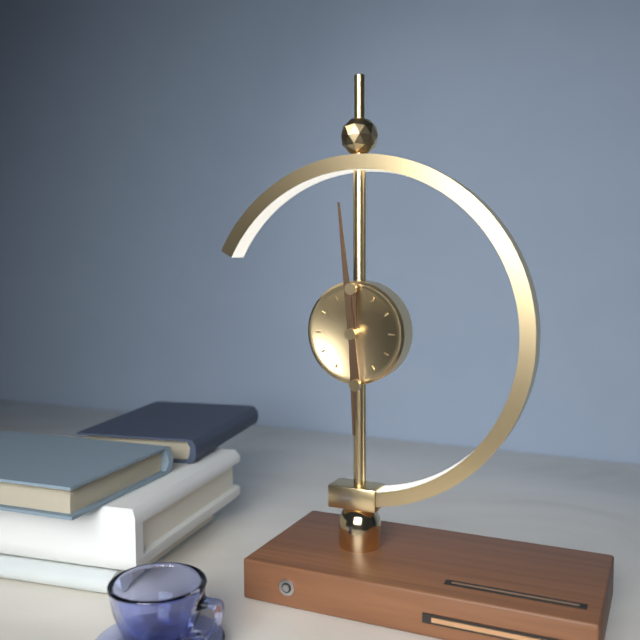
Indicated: **5:59**
